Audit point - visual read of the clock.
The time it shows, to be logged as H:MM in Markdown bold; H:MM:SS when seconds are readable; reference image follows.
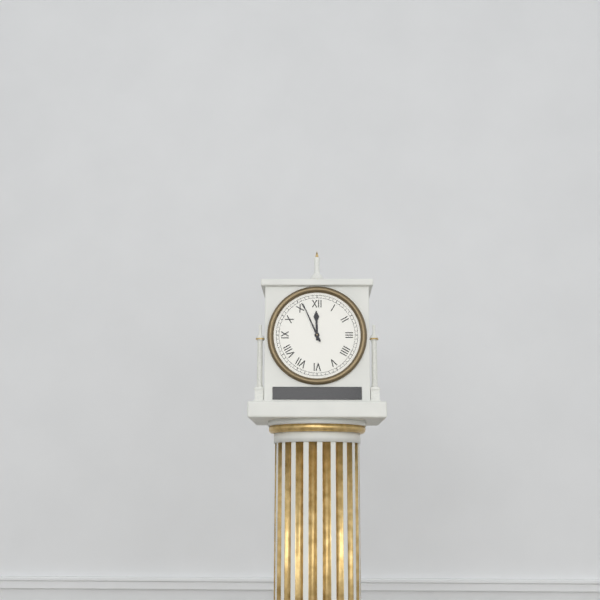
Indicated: **11:56**
